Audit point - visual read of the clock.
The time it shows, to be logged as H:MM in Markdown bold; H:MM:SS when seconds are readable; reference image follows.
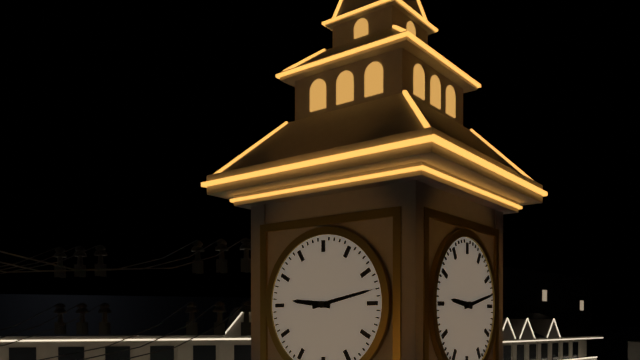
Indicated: **9:13**
